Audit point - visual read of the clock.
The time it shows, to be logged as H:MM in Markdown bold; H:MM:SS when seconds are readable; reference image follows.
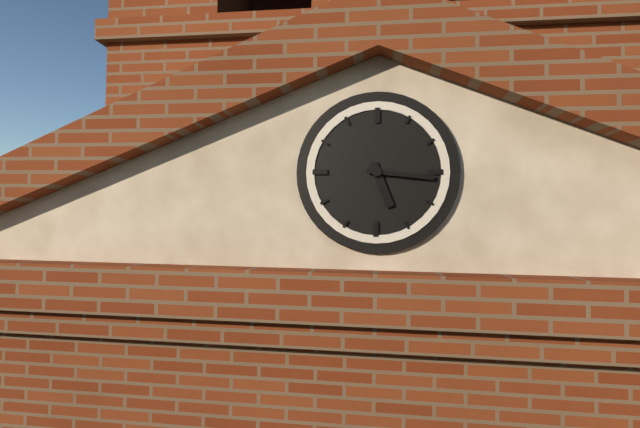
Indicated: **5:16**
